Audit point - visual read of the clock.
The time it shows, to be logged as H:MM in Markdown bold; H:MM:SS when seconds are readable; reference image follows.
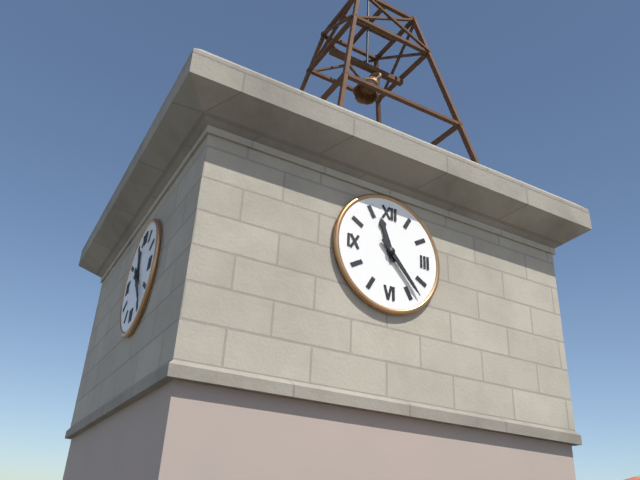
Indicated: **11:23**
